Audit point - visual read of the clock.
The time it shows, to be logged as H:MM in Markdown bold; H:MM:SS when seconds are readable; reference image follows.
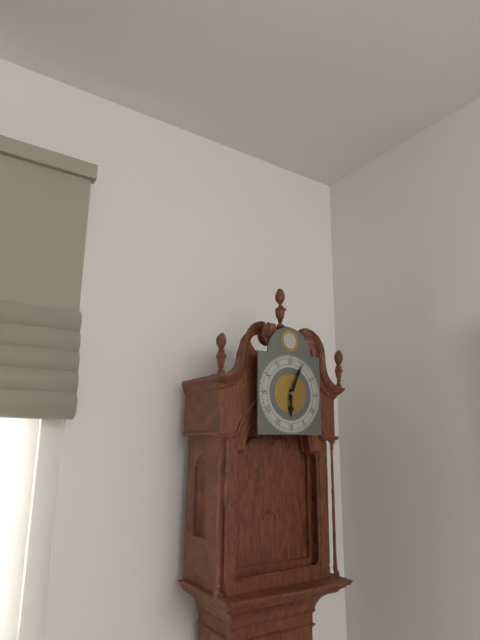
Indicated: **6:04**
